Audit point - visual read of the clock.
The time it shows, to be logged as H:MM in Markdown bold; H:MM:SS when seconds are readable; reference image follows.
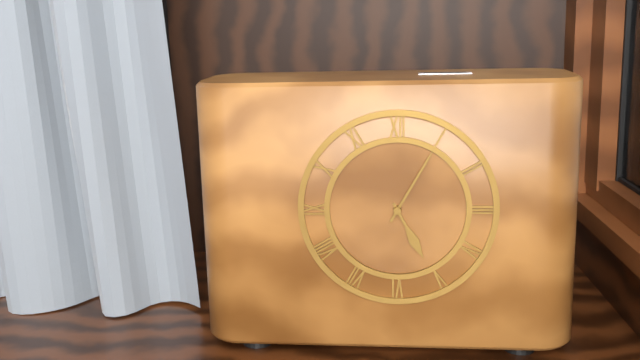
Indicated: **5:05**
